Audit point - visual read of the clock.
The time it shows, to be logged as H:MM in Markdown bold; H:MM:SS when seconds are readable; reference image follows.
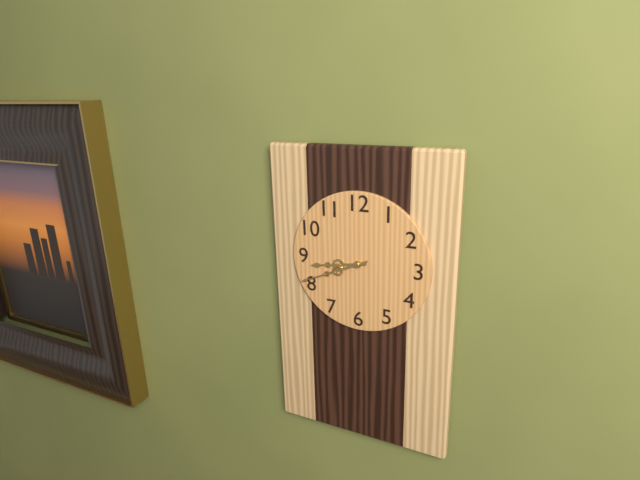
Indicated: **8:41**
